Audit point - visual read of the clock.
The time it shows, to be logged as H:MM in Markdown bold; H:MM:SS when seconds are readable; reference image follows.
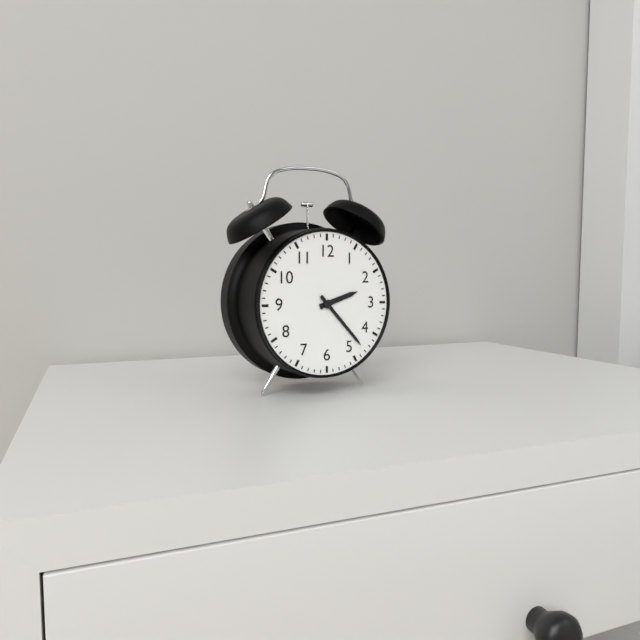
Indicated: **2:23**
